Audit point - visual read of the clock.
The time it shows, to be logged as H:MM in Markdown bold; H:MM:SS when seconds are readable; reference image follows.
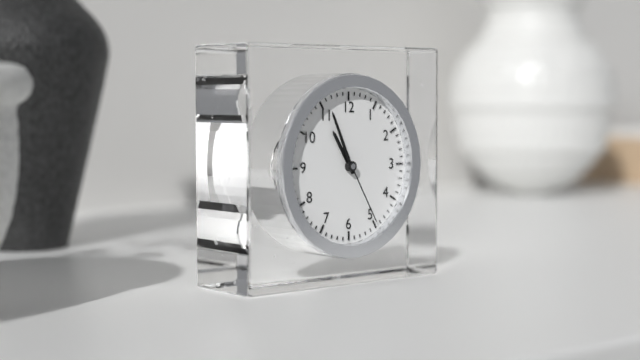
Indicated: **10:56:25**
